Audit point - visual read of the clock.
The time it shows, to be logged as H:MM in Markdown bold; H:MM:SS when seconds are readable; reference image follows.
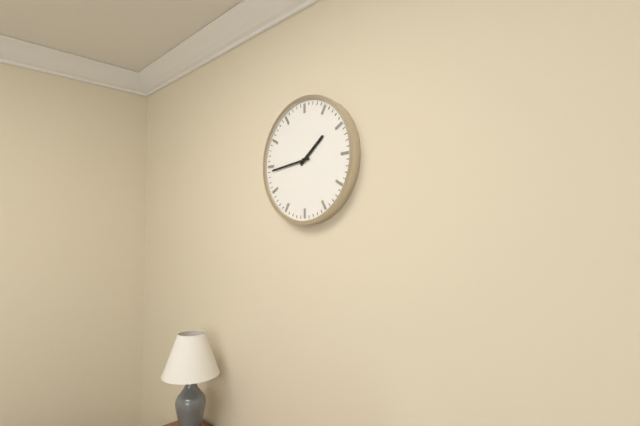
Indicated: **1:44**
